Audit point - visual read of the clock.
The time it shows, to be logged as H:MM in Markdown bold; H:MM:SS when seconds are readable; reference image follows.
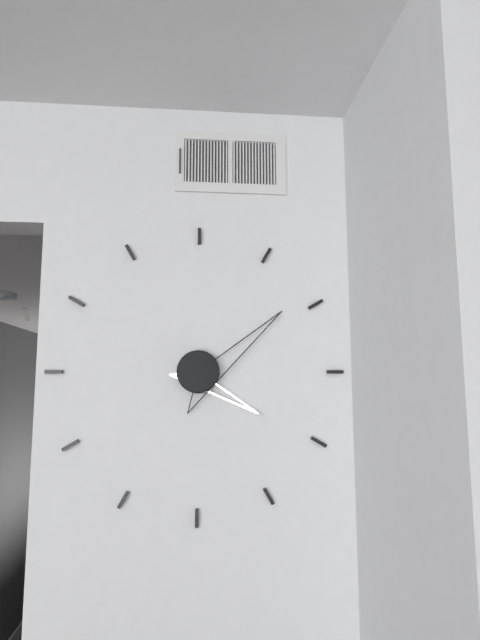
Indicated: **4:09**
